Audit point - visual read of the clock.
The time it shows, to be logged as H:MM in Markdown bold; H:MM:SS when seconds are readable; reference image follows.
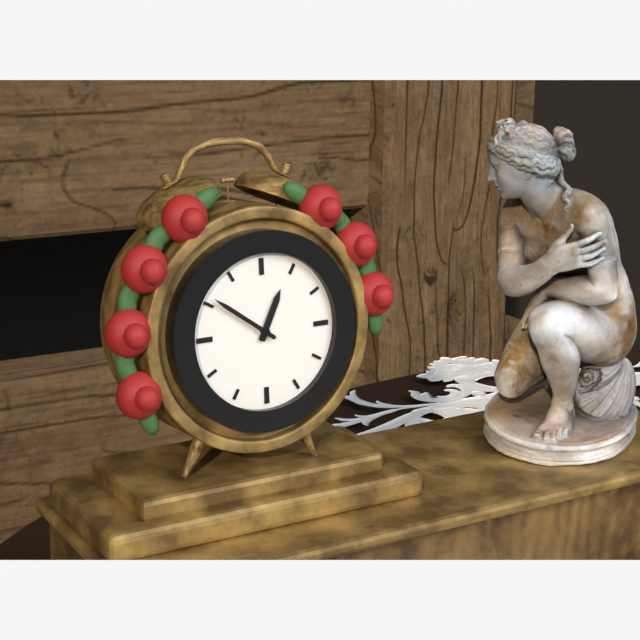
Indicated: **12:51**
